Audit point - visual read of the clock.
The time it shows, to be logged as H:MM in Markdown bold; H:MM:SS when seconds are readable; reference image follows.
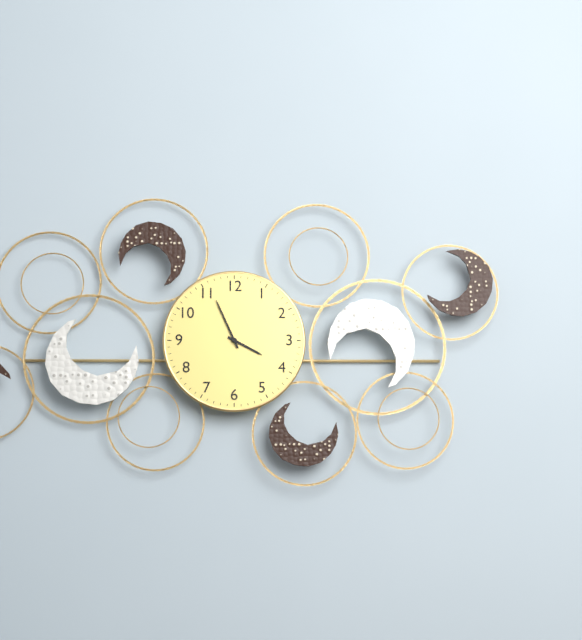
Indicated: **3:56**
